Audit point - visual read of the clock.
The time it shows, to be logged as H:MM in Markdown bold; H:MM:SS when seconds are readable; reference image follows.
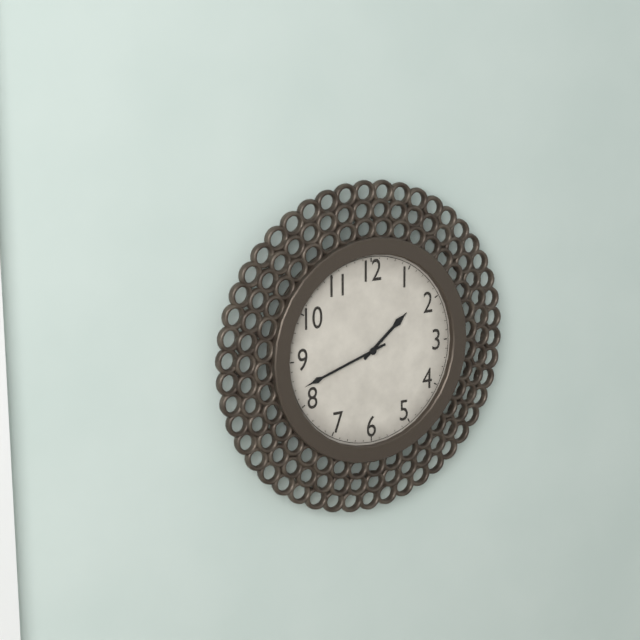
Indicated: **1:42**
